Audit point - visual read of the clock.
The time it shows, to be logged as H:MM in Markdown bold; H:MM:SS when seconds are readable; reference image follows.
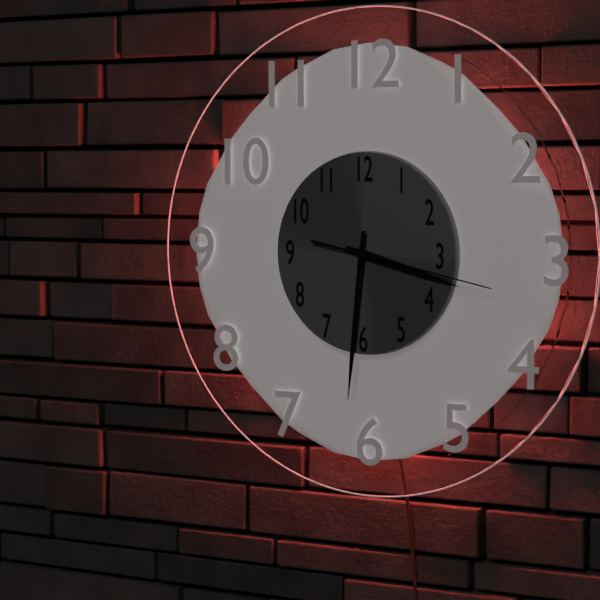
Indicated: **3:31:17**
